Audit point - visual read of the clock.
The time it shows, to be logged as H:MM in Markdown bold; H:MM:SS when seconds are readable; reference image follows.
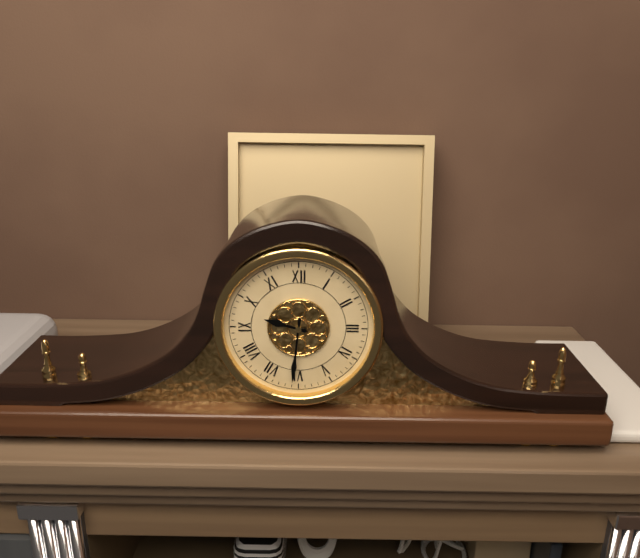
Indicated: **9:31**
